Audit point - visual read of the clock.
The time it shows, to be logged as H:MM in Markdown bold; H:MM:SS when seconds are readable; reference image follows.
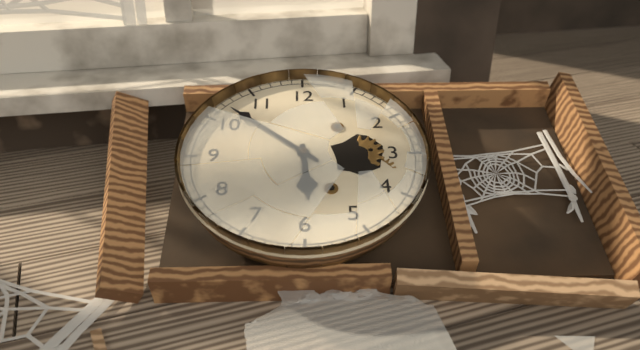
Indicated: **5:52**
